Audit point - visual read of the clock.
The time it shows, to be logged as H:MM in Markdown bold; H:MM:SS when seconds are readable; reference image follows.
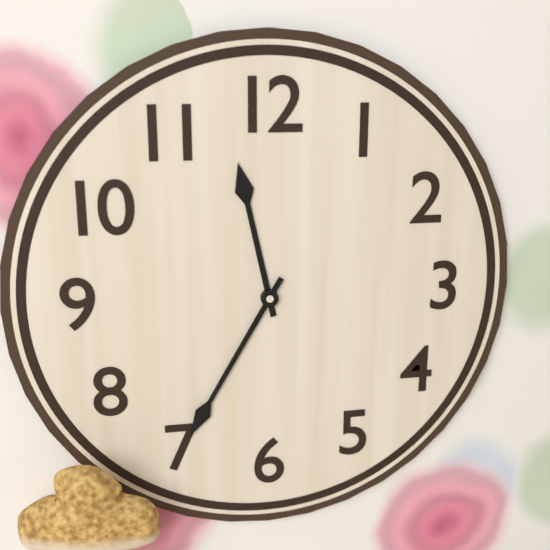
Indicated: **11:35**
